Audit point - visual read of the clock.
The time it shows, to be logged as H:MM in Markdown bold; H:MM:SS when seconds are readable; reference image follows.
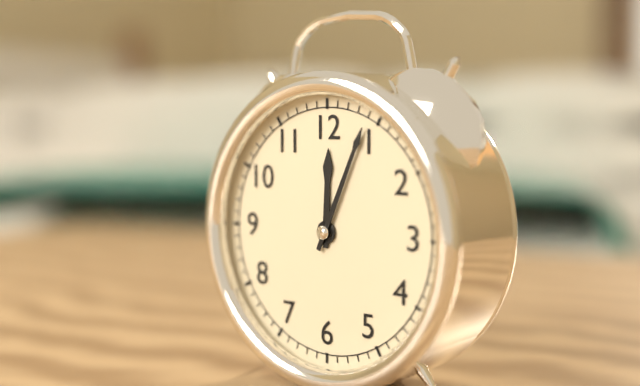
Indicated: **12:04**
